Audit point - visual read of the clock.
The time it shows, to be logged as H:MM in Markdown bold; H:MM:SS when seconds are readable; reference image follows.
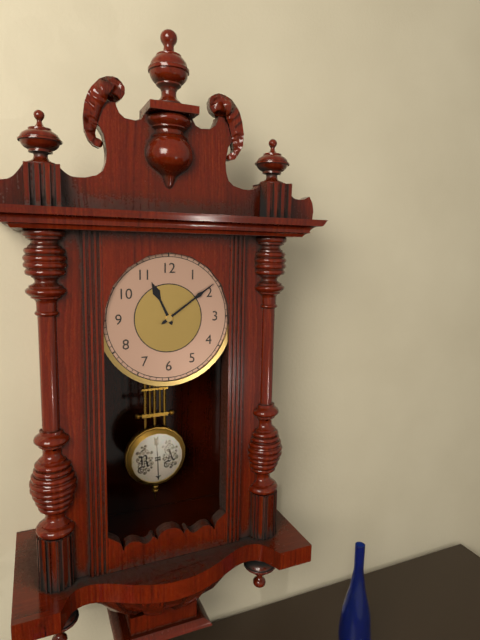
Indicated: **11:09**
